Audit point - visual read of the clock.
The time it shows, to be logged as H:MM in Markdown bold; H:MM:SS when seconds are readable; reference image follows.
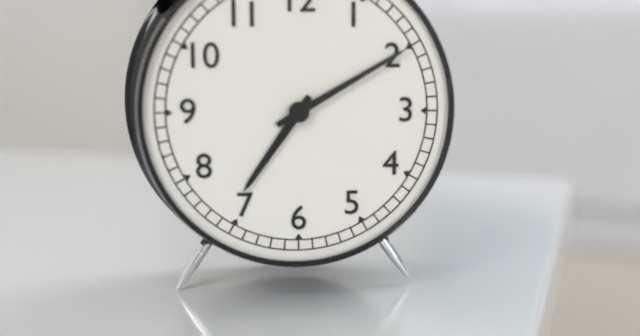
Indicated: **7:10**
